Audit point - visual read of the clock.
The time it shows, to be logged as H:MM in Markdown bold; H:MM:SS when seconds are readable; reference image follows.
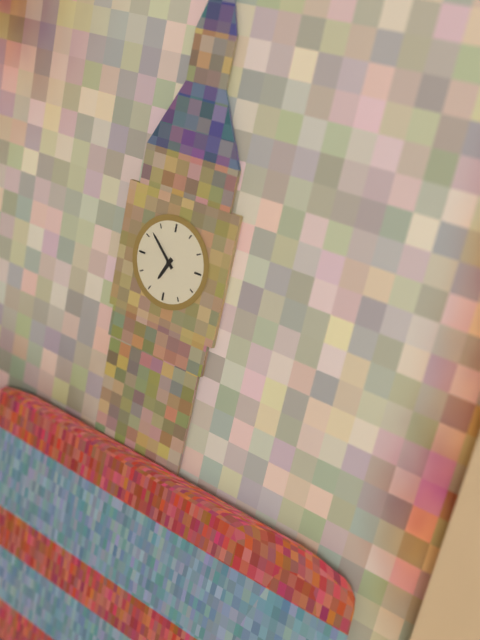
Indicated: **6:52**
